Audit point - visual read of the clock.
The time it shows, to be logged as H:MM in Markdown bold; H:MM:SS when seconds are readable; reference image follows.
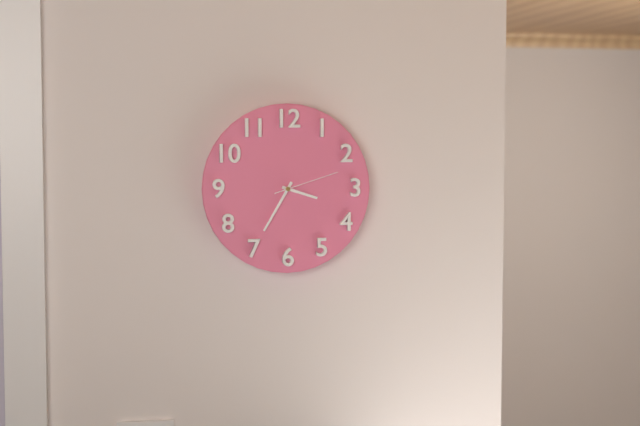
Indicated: **3:35:12**
